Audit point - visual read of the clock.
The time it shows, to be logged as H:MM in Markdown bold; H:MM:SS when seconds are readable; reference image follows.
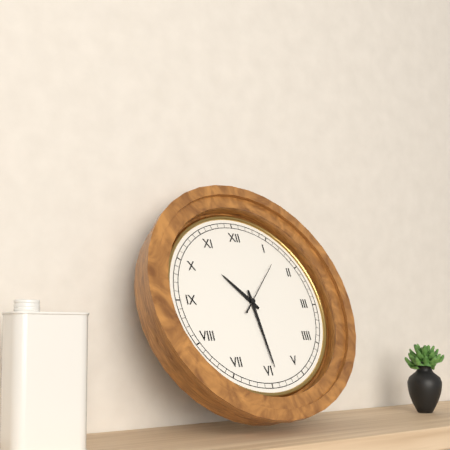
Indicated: **10:29:07**
